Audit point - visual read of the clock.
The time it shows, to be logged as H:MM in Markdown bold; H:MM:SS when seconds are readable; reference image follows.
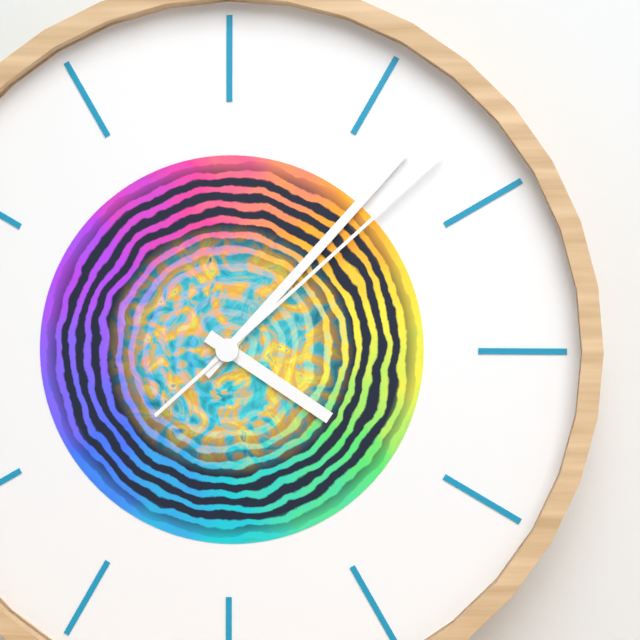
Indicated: **4:07:08**
